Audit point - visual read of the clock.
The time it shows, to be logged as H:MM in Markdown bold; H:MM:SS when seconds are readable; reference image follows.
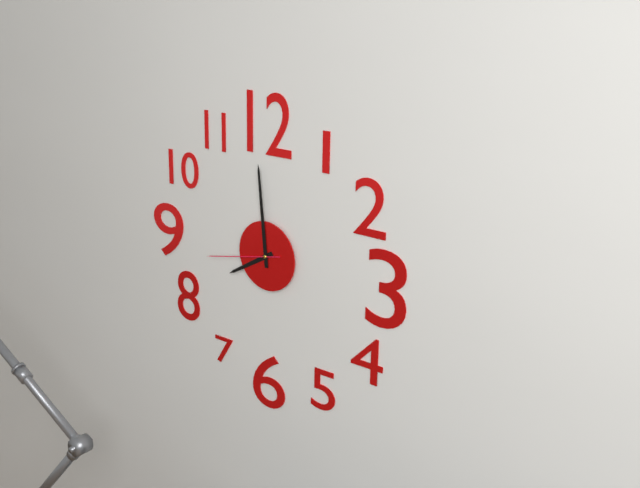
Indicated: **7:59:43**
